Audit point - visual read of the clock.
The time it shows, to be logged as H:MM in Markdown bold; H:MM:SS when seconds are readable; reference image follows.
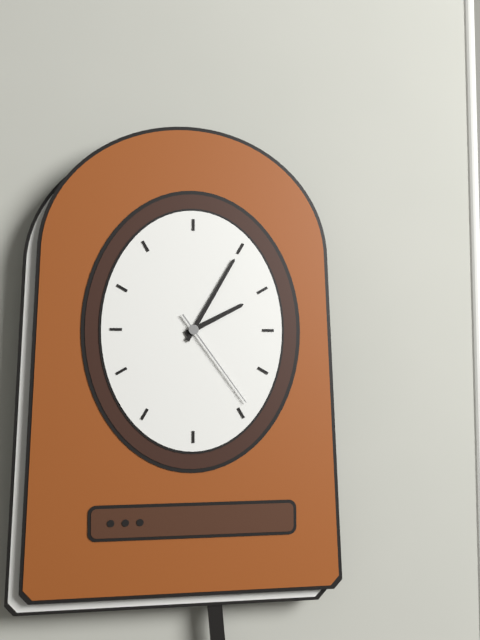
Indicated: **2:05:24**
